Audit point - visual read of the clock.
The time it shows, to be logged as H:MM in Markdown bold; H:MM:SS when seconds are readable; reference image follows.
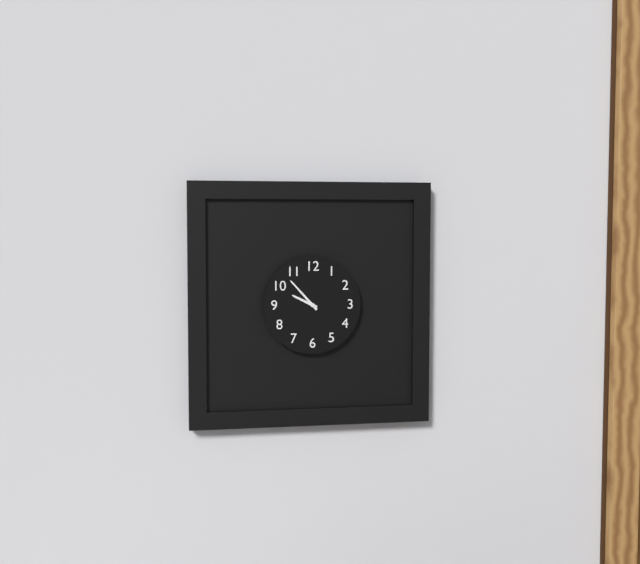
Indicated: **9:53**
